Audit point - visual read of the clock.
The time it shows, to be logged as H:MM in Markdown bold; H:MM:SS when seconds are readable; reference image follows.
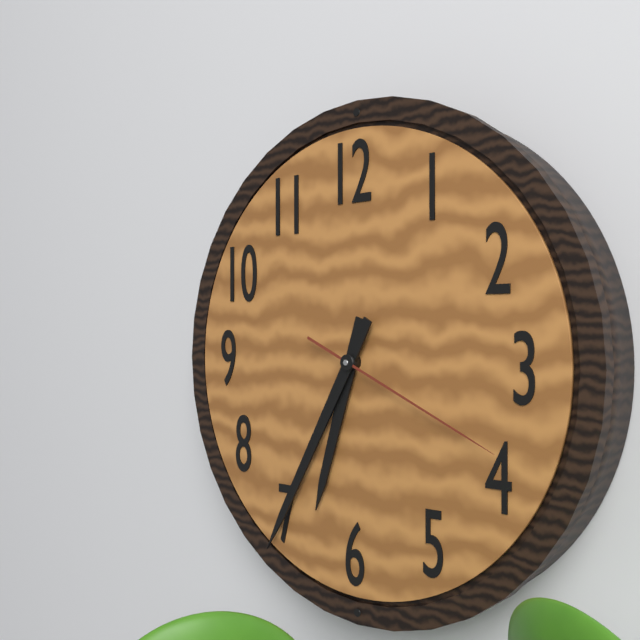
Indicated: **6:35:19**
